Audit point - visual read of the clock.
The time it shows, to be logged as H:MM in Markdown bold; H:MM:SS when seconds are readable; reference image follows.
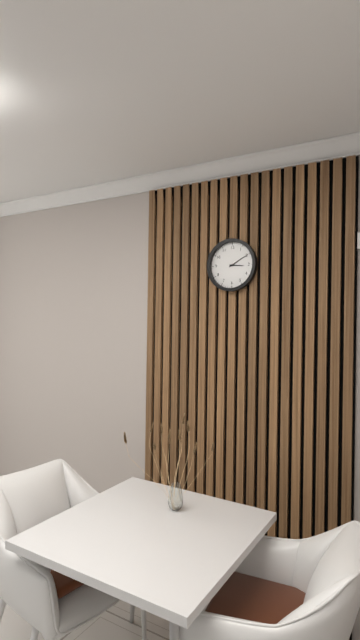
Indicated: **3:10**
